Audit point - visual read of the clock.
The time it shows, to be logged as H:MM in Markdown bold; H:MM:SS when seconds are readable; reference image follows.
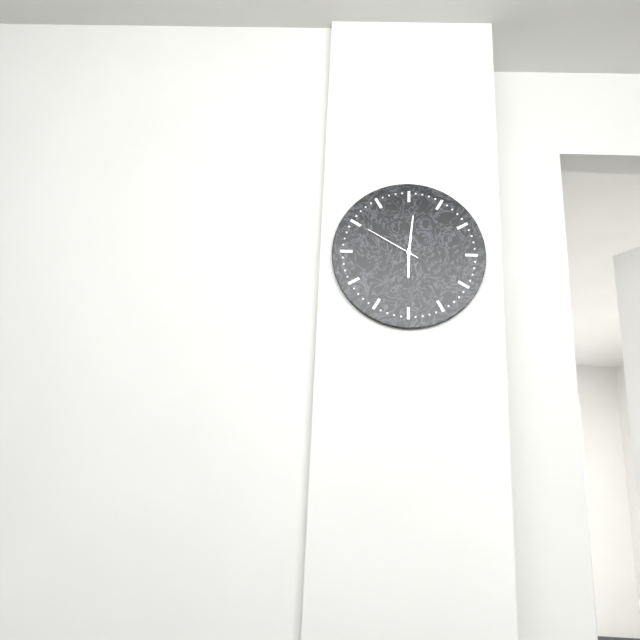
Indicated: **6:01:50**
